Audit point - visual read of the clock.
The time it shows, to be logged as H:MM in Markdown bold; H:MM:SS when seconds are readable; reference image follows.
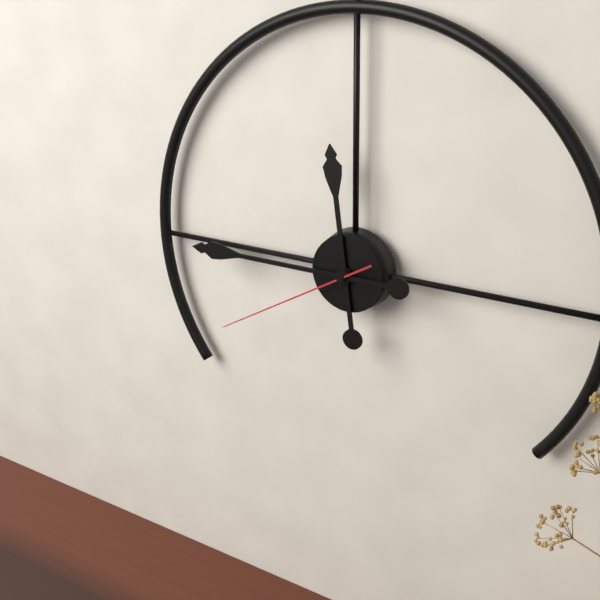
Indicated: **11:45:40**
